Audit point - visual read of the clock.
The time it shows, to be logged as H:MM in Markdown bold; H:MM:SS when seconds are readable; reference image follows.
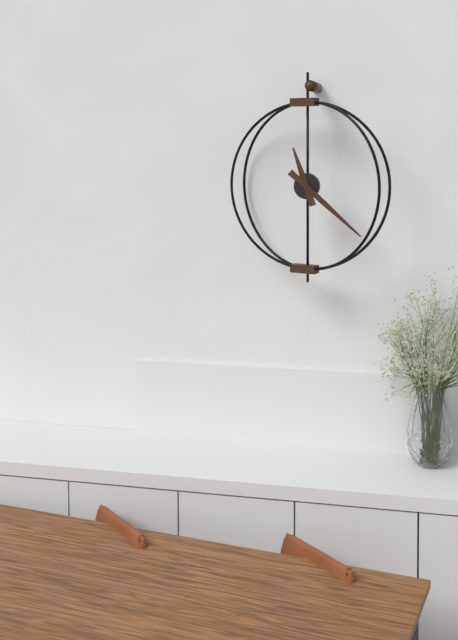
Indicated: **11:22**
